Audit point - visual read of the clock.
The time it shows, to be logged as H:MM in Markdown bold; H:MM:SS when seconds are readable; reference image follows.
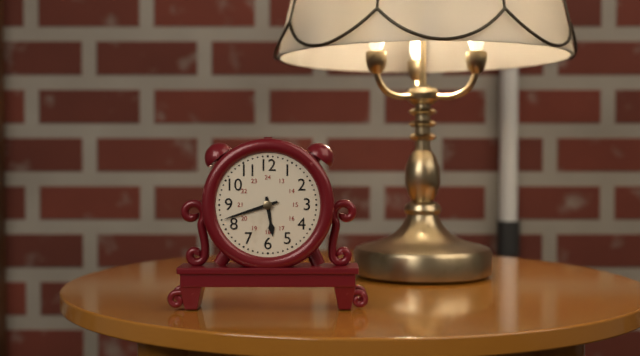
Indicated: **5:42**
